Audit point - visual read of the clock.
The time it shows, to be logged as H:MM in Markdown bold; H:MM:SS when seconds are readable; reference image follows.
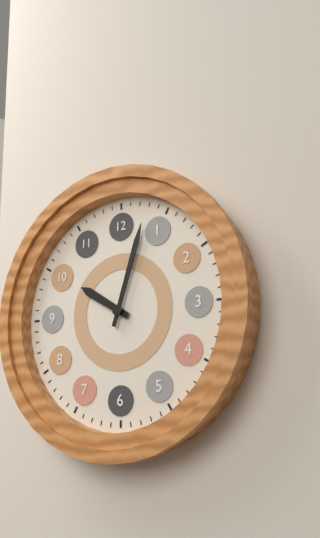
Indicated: **10:03**
